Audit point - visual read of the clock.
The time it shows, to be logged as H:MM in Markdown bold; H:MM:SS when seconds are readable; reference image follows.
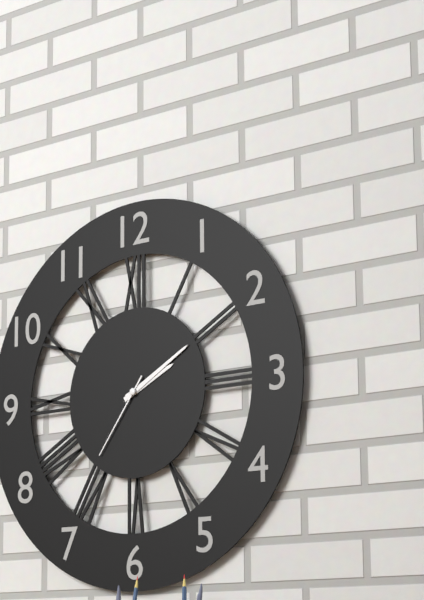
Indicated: **2:10:36**
